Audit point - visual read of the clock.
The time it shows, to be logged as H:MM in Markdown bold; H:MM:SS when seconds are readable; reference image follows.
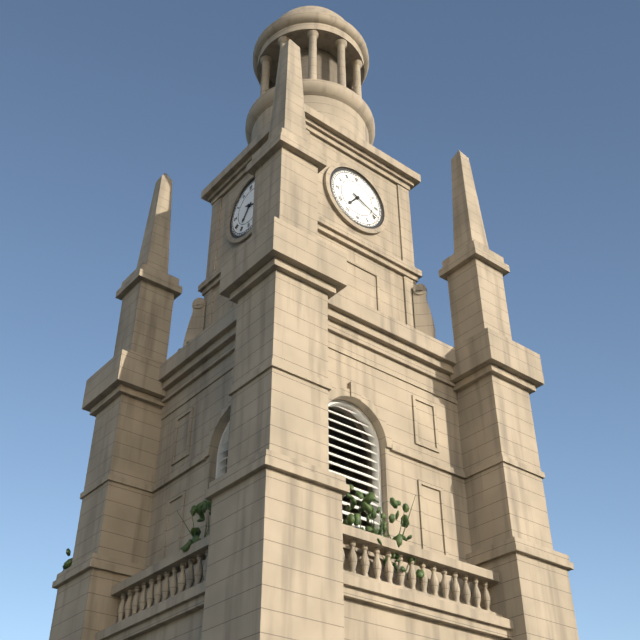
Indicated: **7:19**
